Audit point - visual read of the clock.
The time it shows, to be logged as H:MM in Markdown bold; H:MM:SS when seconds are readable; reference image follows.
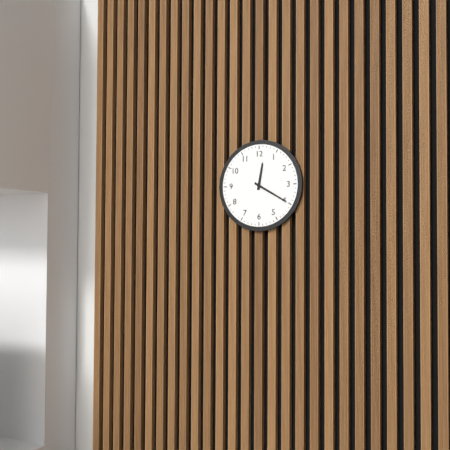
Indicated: **12:20**
